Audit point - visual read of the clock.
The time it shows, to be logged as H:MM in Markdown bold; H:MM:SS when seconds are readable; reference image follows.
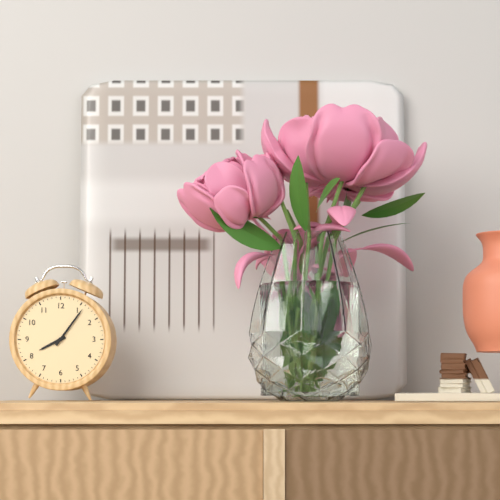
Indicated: **8:06**
